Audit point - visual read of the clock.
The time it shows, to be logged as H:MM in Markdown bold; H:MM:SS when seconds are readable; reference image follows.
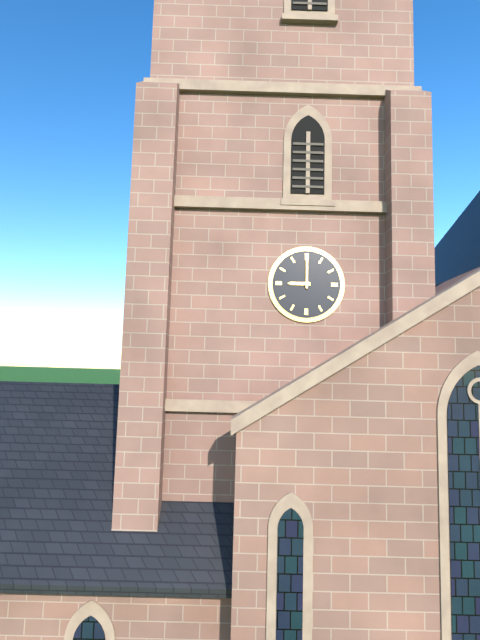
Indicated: **9:00**
